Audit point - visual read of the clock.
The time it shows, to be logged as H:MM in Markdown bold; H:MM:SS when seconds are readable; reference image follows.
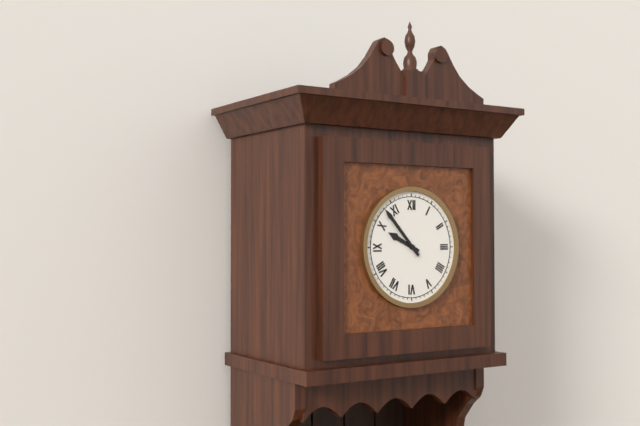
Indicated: **9:53**
